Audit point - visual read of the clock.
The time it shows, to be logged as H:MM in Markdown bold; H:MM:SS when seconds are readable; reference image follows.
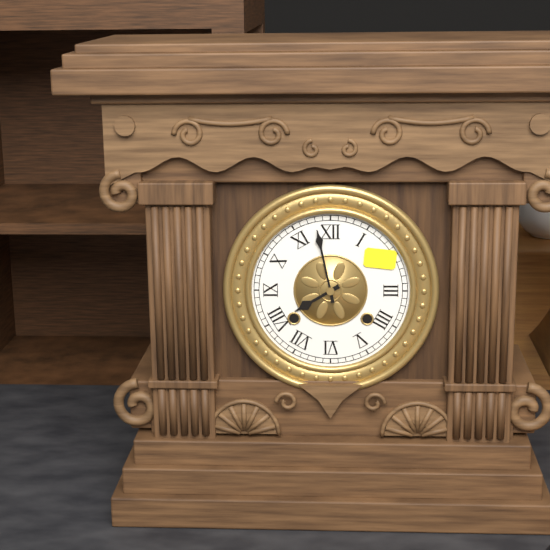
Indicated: **7:58**
